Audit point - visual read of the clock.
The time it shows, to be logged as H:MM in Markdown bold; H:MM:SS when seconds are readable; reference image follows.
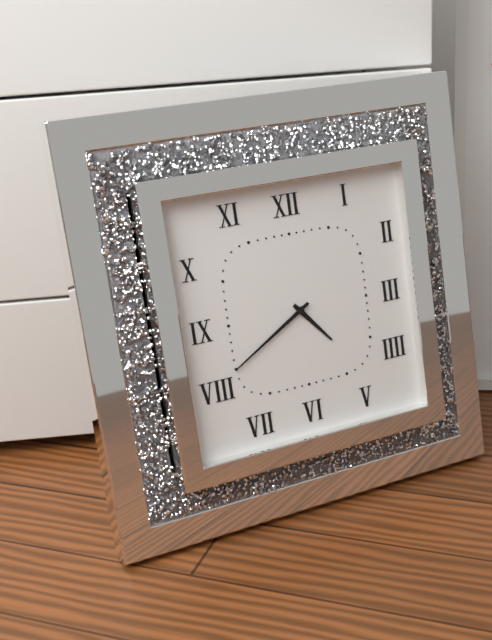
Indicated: **4:40**
